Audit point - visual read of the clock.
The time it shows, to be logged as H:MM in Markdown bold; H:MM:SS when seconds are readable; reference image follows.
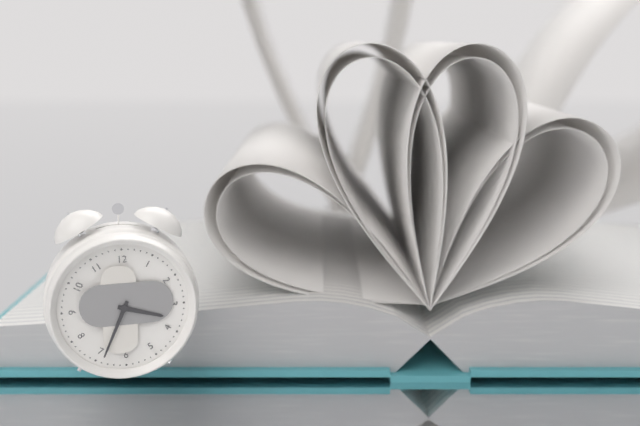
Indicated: **3:34**
